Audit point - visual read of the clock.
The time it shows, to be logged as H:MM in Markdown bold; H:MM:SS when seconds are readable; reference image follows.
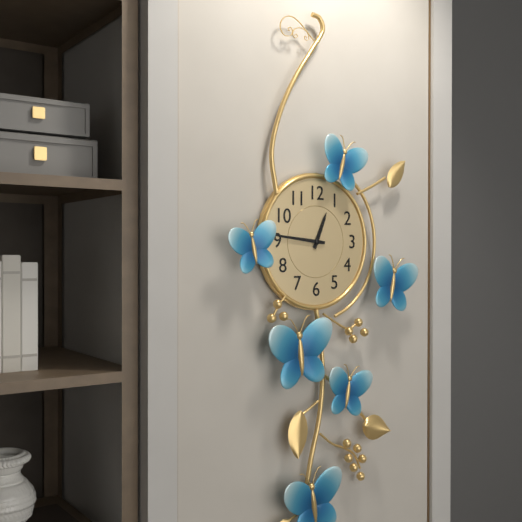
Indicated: **12:46**
